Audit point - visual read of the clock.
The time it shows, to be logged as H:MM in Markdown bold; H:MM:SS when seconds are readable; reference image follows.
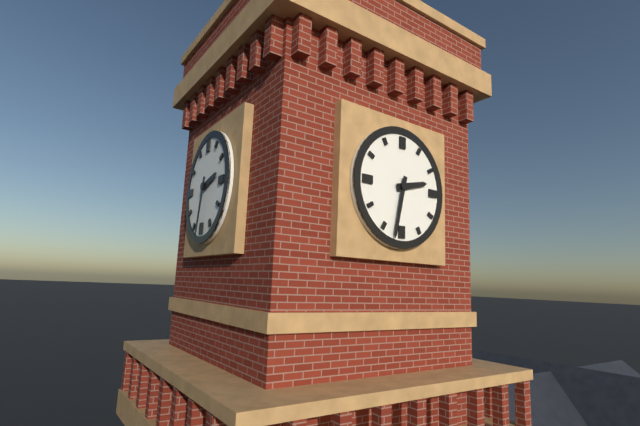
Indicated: **2:32**
